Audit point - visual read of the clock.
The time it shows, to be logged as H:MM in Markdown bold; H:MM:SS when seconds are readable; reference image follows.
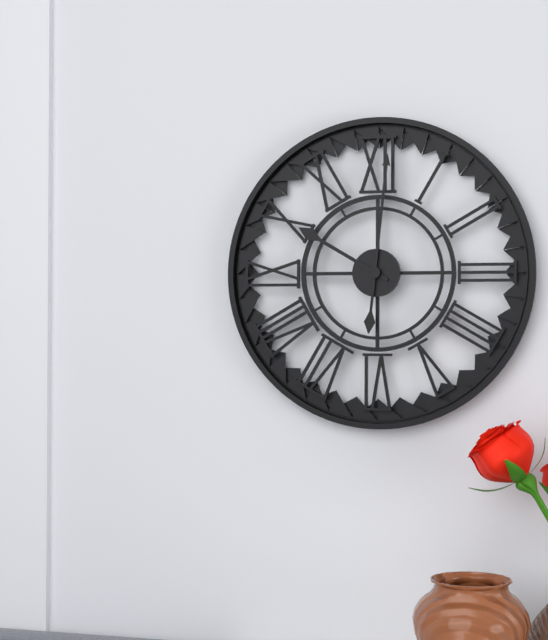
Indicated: **10:01**
